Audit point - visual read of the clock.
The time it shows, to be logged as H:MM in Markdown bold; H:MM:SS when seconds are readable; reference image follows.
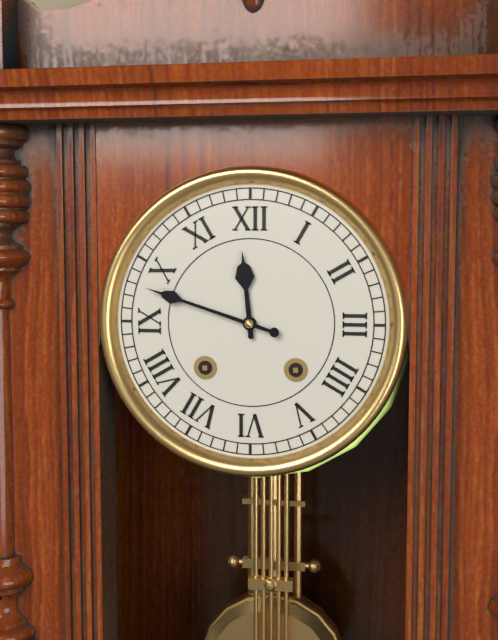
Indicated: **11:48**
